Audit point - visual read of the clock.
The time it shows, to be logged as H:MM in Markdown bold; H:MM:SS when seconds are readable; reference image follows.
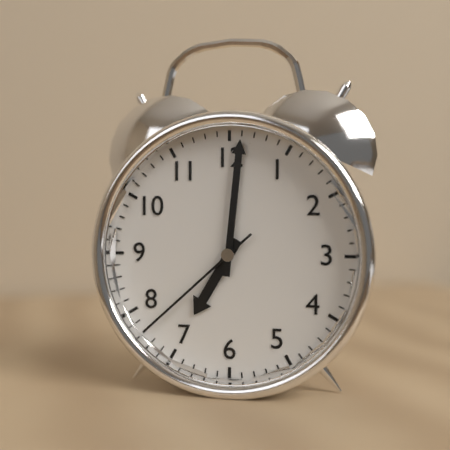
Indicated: **7:01:38**
